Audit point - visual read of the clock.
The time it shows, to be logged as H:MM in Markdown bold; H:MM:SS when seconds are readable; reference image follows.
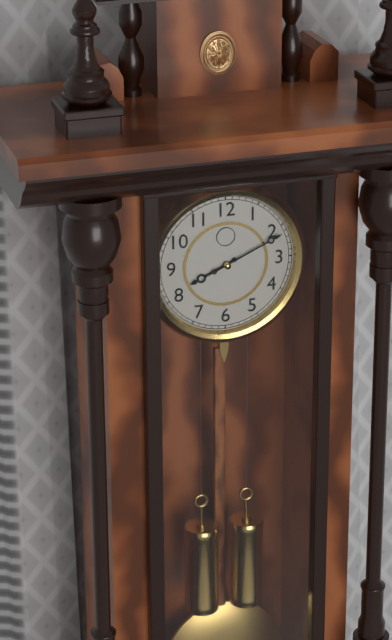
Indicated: **8:11**
